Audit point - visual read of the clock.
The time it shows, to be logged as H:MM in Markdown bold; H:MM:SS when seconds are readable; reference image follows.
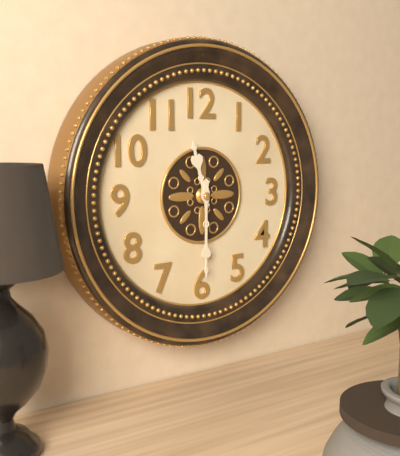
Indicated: **11:30**
